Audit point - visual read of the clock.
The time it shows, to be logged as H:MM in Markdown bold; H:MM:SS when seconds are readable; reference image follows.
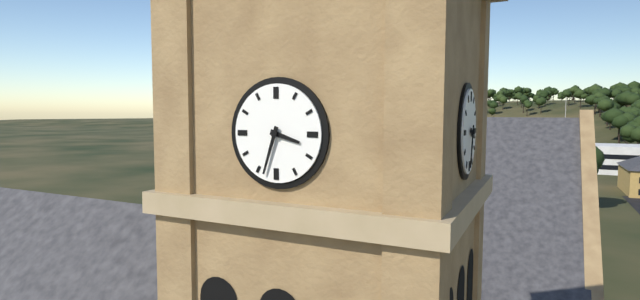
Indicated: **3:33**
